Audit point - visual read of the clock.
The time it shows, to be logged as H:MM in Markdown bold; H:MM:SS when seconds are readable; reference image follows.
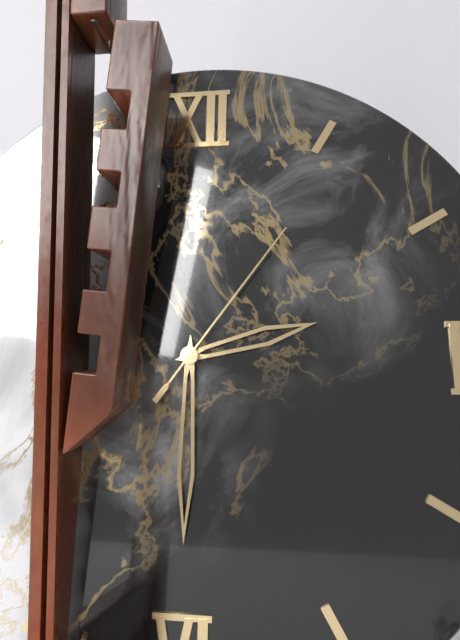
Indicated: **2:30:06**
